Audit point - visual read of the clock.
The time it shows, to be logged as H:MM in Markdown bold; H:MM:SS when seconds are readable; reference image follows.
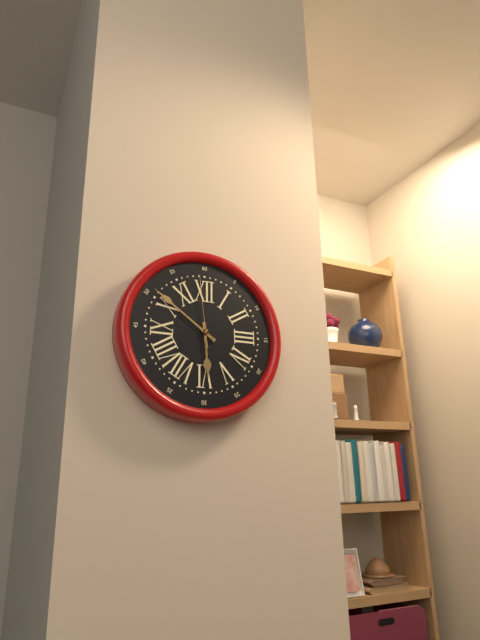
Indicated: **5:51:59**
